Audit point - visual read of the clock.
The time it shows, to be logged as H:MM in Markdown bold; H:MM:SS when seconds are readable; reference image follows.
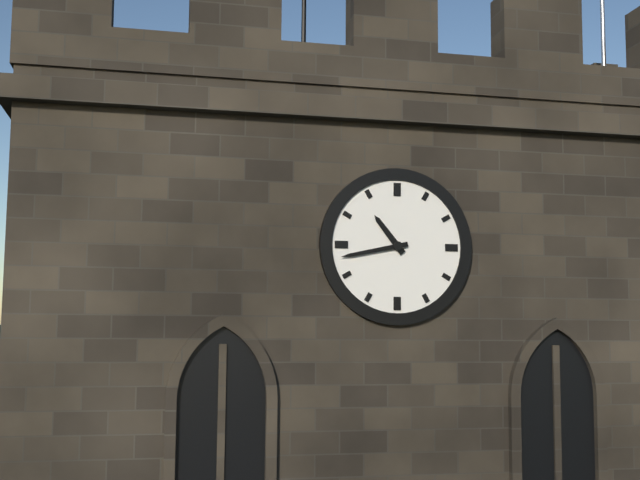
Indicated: **10:43**
